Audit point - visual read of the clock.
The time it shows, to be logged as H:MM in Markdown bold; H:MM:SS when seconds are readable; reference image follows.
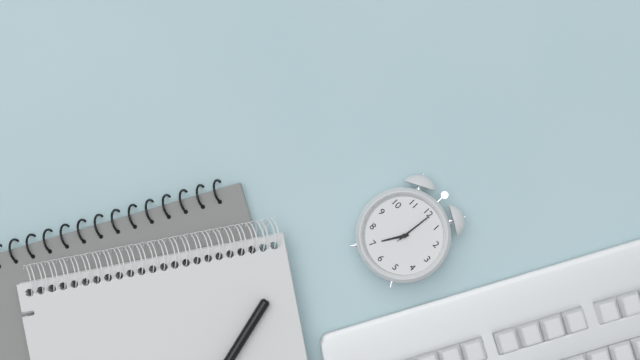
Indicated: **7:01**
